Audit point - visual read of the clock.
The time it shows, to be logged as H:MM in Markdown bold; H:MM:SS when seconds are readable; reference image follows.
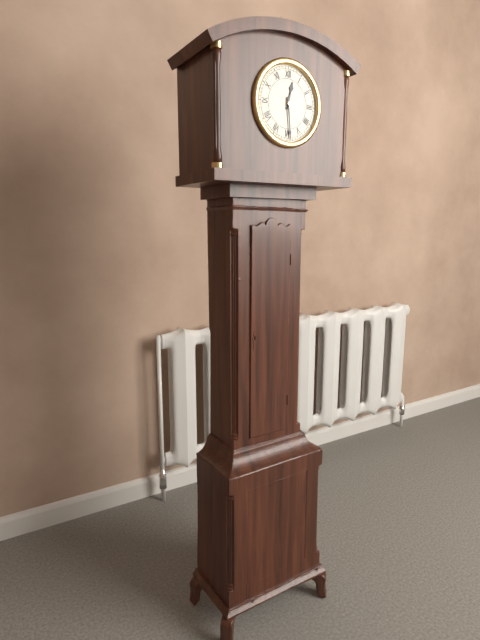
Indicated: **12:29**
